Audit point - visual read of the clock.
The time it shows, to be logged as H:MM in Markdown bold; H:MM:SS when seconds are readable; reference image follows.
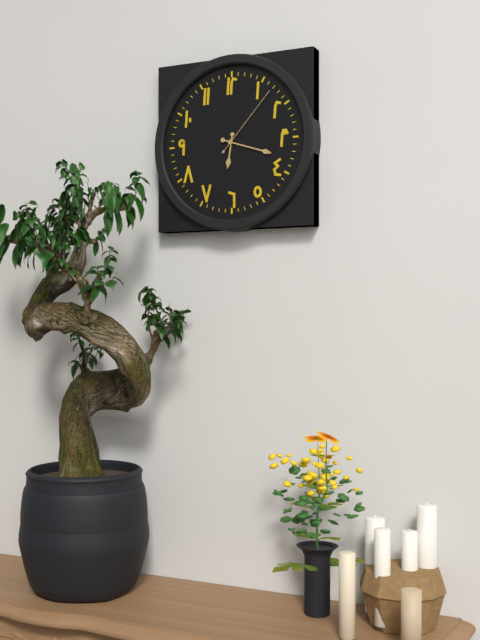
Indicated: **6:18:07**
